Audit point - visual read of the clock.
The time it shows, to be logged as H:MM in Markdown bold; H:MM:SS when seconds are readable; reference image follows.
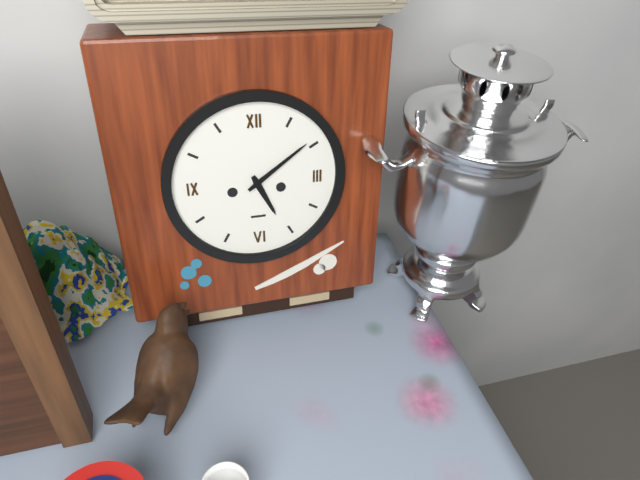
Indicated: **5:09**
